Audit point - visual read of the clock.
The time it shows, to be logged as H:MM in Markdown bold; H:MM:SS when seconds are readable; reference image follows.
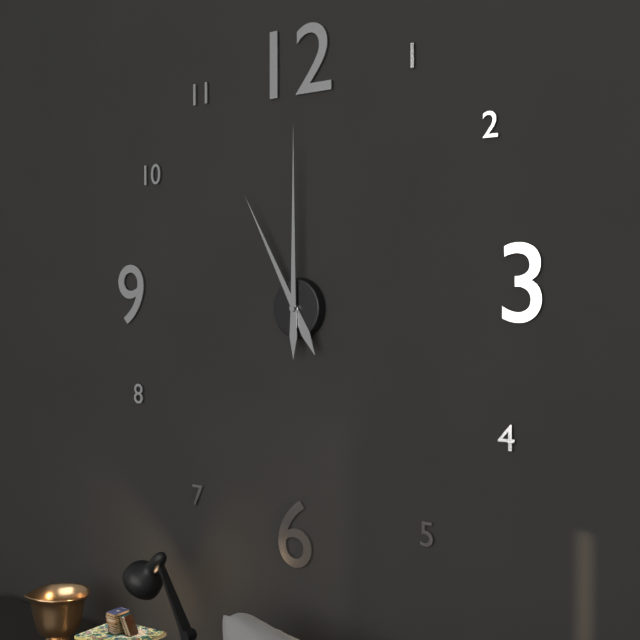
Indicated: **11:00**
